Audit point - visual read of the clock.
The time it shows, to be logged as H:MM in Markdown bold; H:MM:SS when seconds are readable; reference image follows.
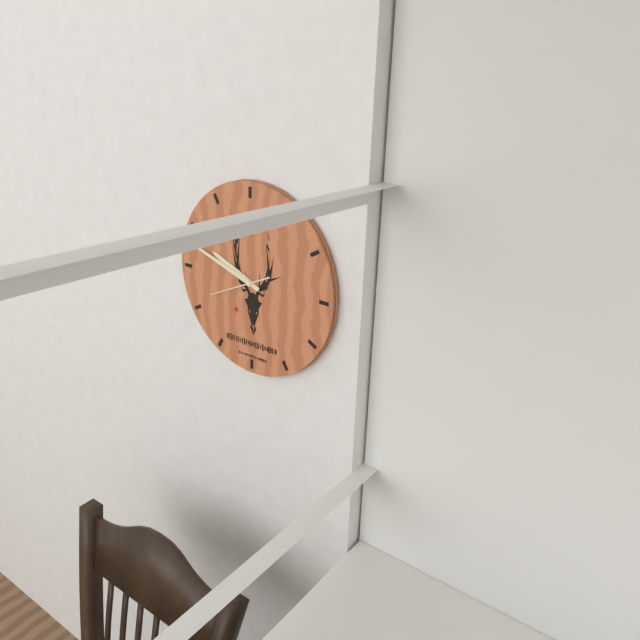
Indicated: **9:48:41**
